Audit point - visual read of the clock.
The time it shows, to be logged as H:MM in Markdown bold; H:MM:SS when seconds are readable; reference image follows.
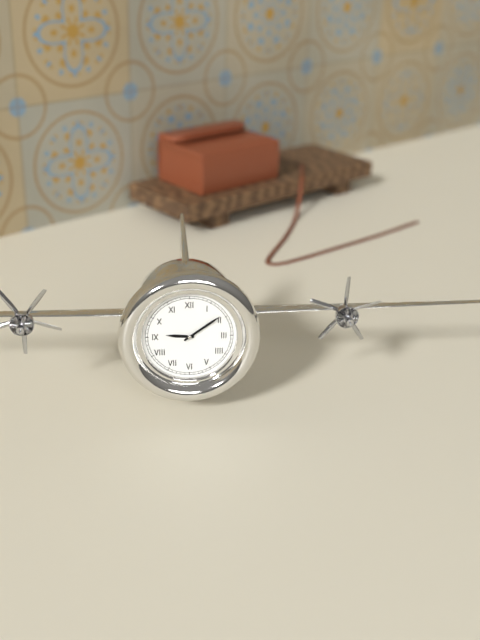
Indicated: **9:09**
